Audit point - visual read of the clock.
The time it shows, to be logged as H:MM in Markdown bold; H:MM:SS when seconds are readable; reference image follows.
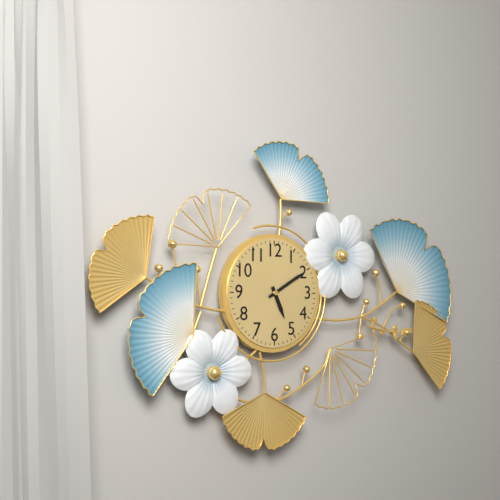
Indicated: **5:10**
